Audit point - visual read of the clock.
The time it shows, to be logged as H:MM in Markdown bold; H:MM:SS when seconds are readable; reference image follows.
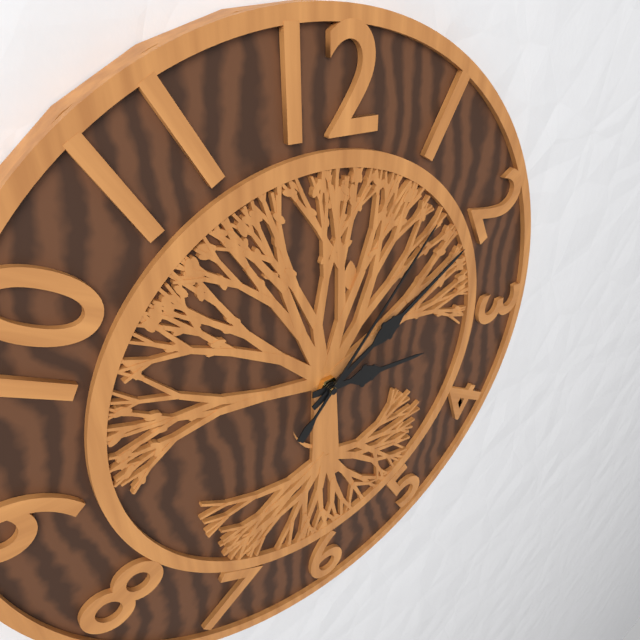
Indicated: **3:10:07**
